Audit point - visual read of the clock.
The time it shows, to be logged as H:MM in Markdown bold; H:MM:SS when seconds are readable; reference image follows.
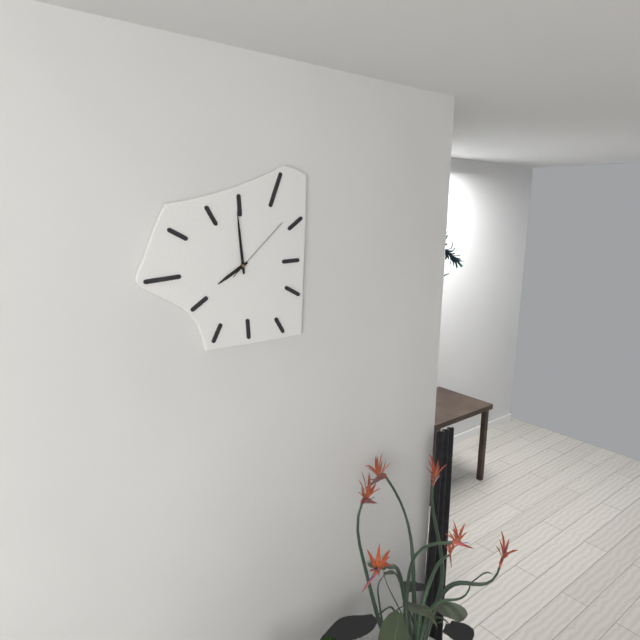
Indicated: **7:59:08**
